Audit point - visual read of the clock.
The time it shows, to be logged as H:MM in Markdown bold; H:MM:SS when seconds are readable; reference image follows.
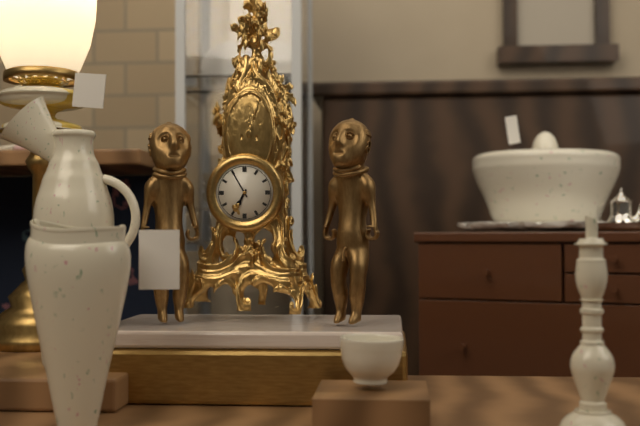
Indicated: **6:55**
